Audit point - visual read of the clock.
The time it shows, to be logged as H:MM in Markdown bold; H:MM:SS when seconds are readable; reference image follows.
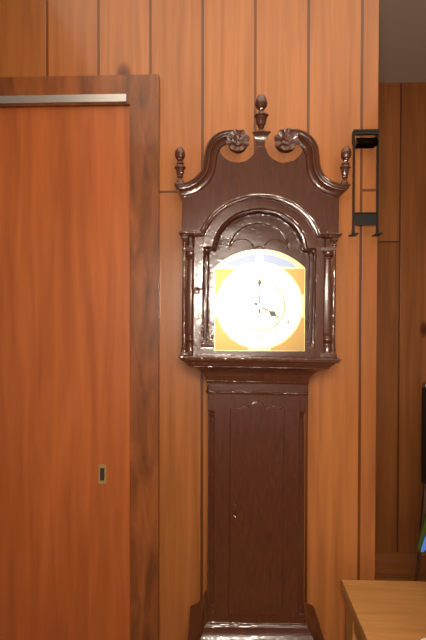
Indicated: **4:00**
